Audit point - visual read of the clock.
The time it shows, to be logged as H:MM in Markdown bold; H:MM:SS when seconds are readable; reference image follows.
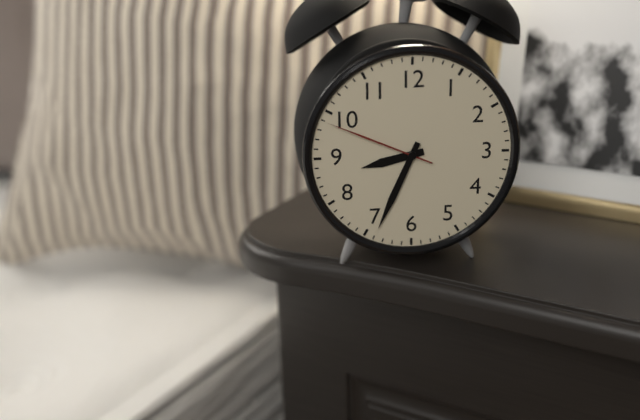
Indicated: **8:34:49**
